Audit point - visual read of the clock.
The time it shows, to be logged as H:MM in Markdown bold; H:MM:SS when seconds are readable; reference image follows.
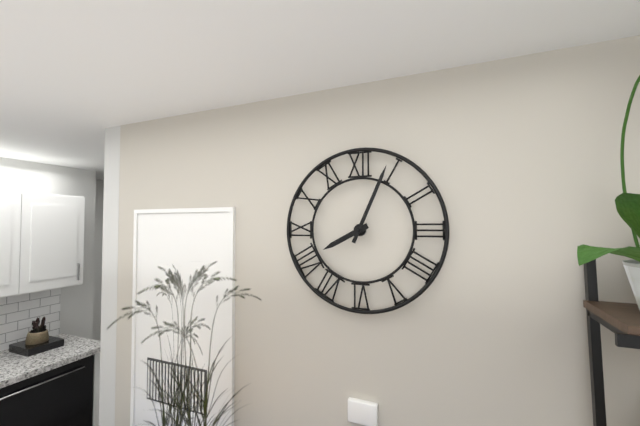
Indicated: **8:04**
